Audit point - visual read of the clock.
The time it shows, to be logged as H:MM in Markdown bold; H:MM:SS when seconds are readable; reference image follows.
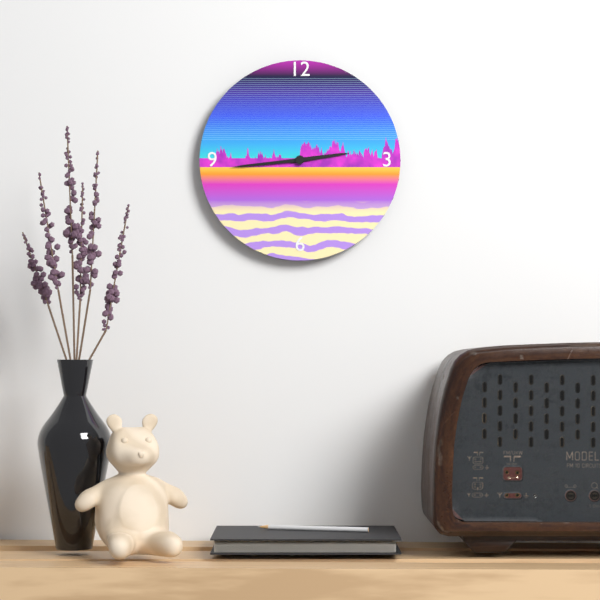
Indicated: **2:44**
